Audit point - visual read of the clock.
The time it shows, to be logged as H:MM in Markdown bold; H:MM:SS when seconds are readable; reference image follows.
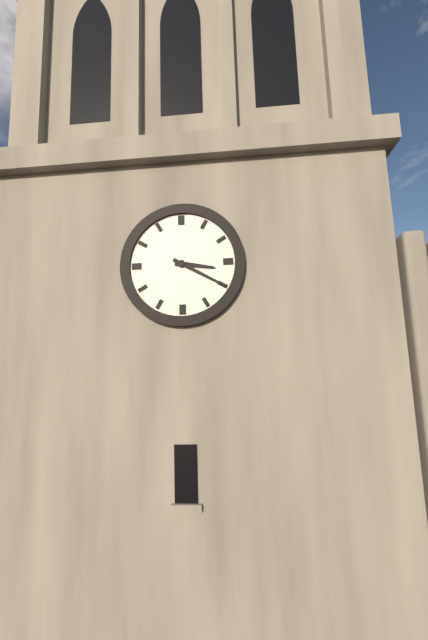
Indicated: **3:20**
